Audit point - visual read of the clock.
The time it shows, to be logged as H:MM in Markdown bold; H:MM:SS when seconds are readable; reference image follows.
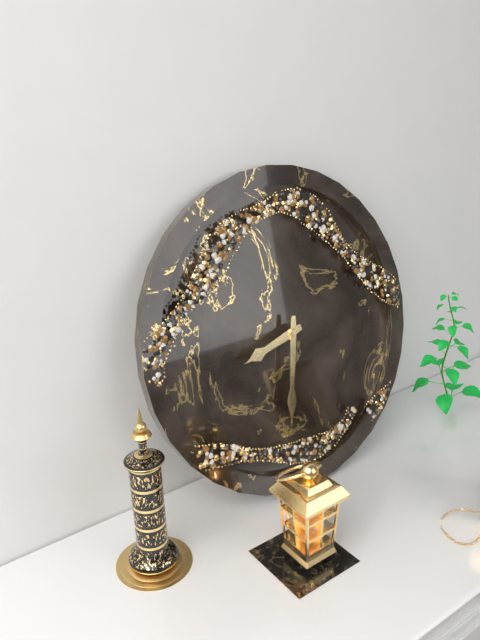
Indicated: **8:32**
